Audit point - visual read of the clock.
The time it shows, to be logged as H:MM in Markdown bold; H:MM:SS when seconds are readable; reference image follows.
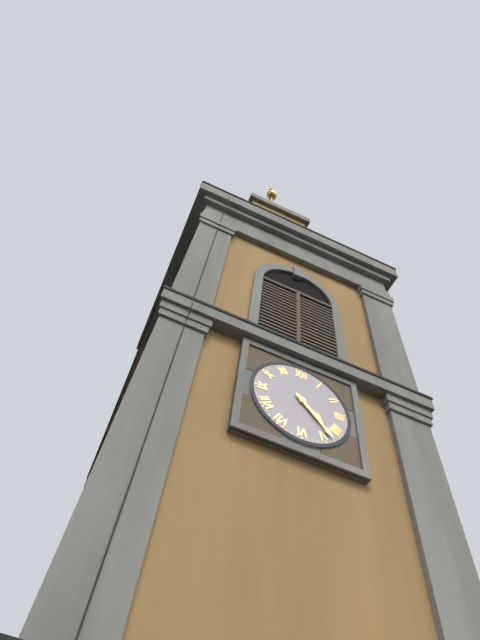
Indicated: **4:23**
